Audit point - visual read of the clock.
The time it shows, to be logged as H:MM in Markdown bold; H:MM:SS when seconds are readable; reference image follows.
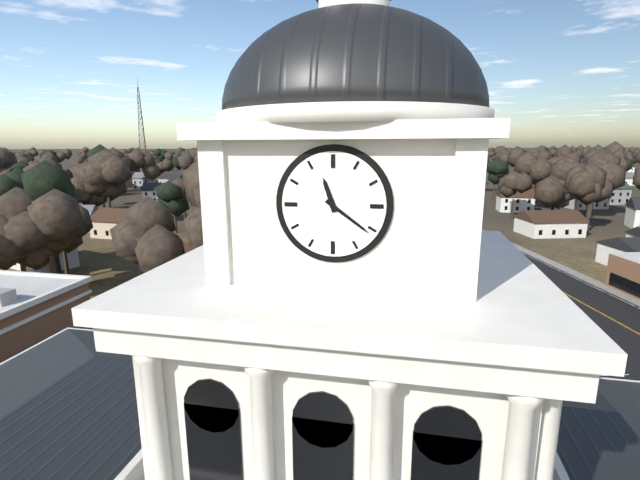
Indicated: **11:21**
